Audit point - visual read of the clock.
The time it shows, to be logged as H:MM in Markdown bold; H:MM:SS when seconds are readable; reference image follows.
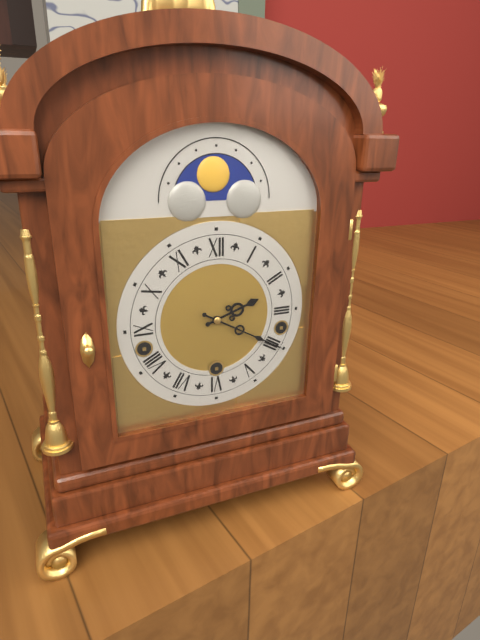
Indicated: **2:20**
